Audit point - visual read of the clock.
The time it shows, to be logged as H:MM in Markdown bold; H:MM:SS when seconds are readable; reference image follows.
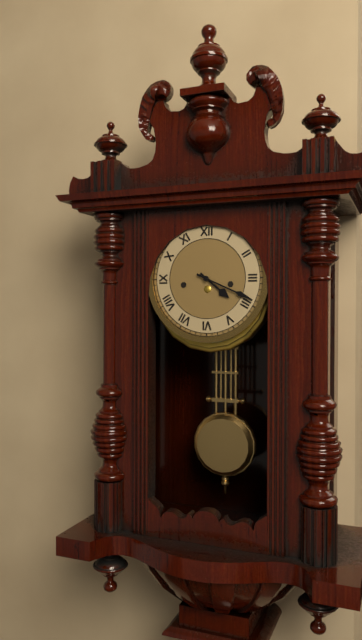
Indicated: **4:19**
